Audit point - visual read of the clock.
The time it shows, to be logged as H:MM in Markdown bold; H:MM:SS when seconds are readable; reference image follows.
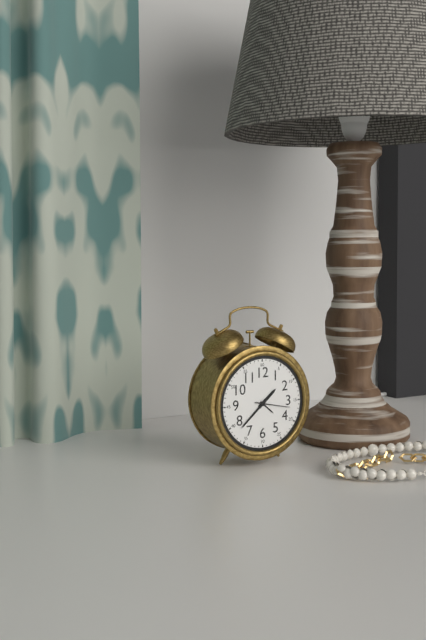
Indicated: **1:38**
